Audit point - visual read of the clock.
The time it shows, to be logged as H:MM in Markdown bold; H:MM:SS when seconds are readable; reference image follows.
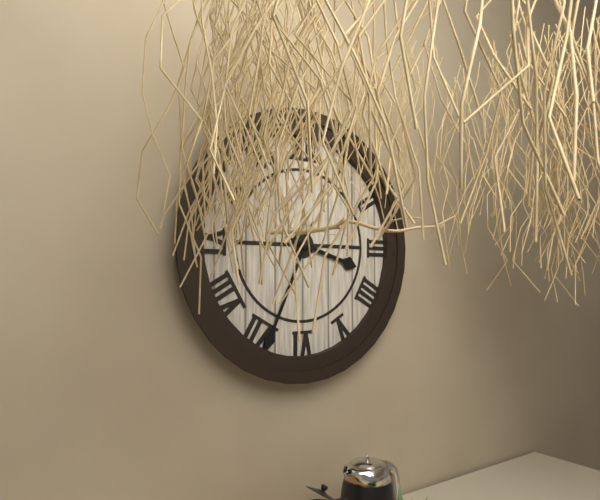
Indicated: **3:34**
